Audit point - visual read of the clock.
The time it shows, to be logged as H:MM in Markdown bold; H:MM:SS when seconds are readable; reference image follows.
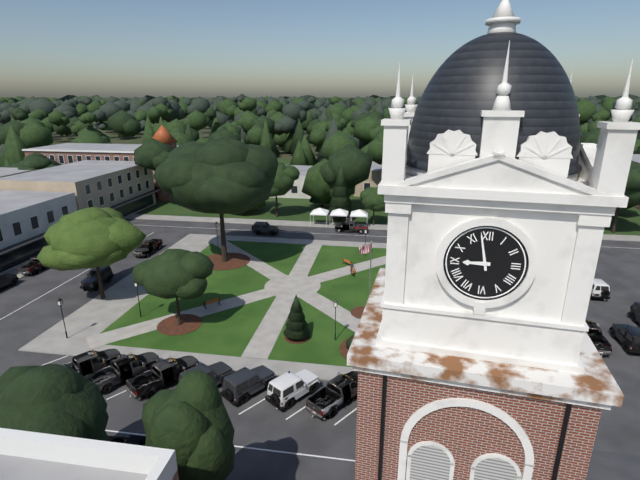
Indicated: **8:58**
